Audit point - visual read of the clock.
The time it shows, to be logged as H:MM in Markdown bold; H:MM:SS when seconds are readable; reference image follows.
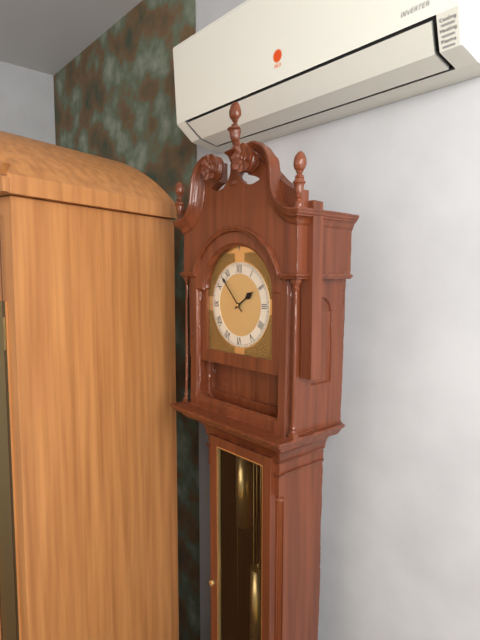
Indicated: **1:53**
